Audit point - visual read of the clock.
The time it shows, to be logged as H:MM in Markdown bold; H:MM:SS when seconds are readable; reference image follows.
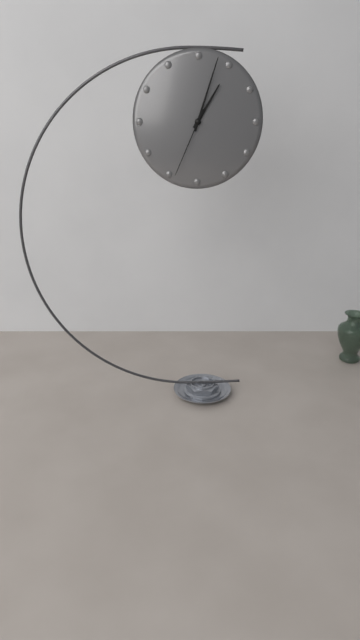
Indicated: **1:03:34**
